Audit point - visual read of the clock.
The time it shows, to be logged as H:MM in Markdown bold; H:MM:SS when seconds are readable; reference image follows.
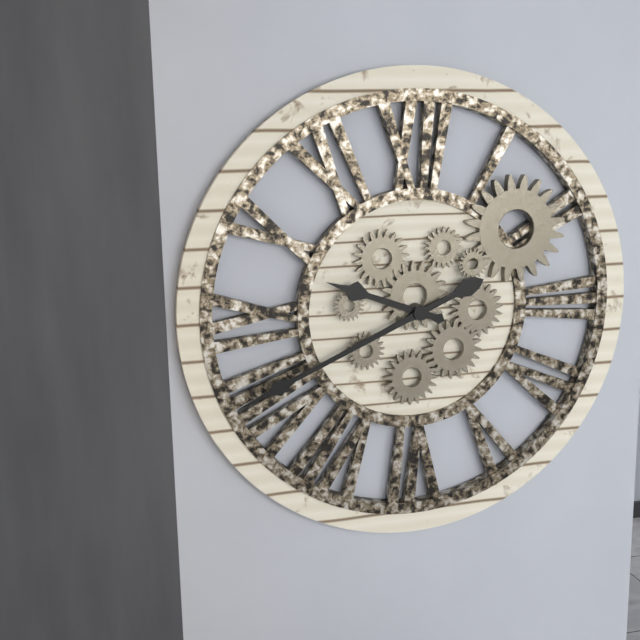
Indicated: **9:41**
